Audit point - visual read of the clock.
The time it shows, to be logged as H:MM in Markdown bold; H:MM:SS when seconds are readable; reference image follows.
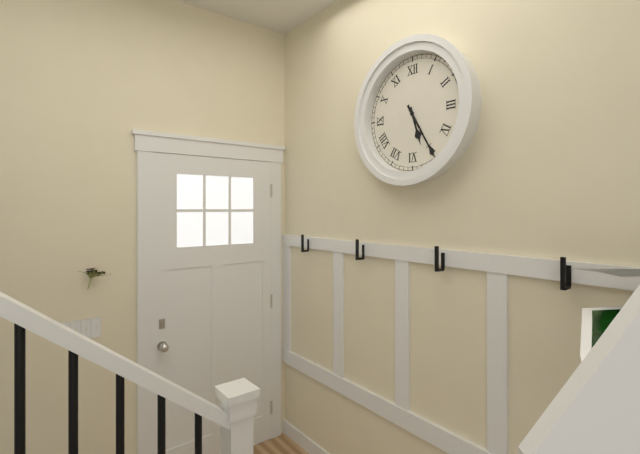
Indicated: **5:25**
